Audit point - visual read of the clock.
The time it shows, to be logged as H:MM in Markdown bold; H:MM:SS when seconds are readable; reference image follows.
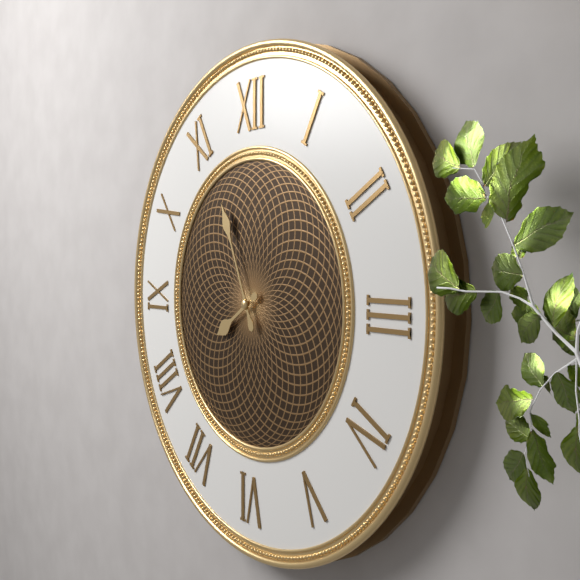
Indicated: **7:56**
